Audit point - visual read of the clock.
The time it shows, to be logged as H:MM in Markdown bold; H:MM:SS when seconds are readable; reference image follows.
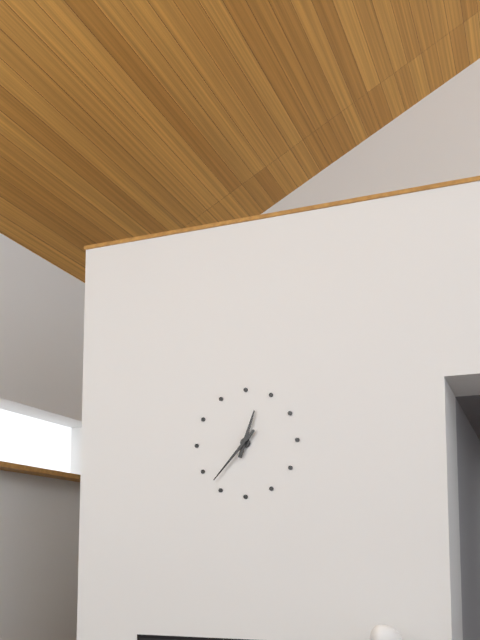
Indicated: **12:37**
